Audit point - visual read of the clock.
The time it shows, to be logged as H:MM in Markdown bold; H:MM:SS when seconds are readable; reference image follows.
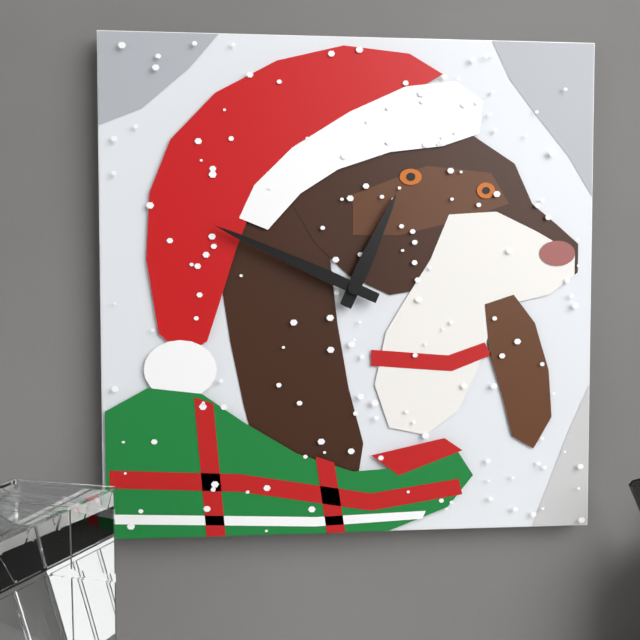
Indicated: **12:49**
